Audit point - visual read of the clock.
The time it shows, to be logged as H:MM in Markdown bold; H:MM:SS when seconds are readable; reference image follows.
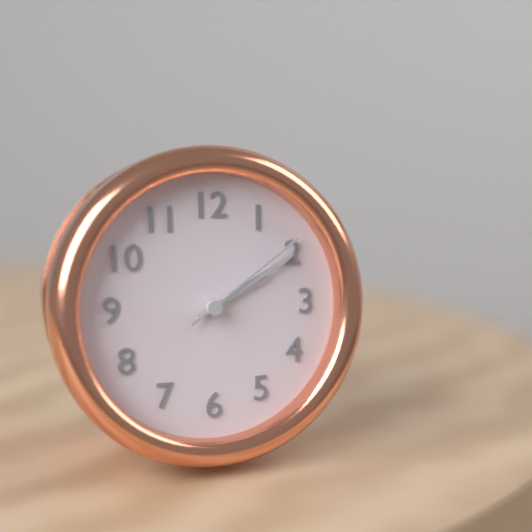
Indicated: **2:10:09**
